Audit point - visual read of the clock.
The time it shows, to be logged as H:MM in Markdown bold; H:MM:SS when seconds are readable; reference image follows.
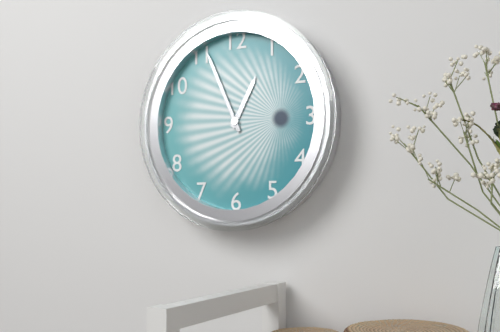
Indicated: **12:56**
